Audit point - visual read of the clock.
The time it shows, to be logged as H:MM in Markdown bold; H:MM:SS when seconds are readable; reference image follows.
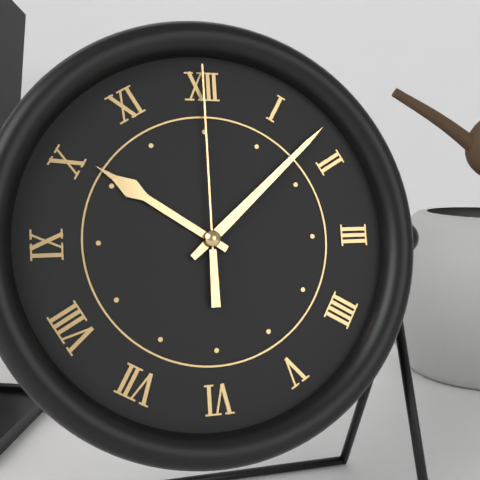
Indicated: **10:08:00**
